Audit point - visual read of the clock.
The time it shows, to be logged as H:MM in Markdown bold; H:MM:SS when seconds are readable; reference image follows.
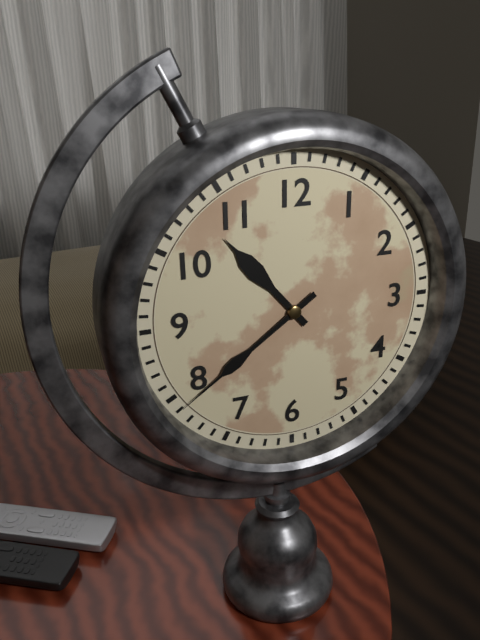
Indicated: **10:39**
